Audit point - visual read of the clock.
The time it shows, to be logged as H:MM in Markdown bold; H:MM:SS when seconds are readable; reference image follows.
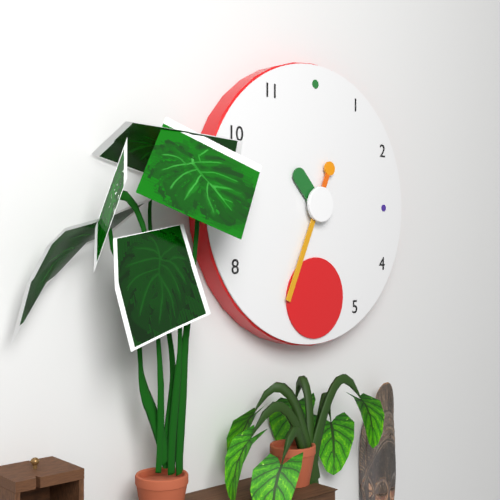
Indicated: **10:34**
